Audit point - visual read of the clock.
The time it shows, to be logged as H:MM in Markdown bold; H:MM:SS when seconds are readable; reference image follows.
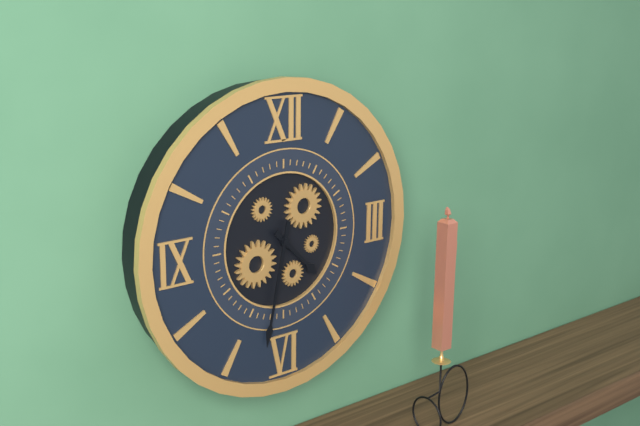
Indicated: **4:32**
